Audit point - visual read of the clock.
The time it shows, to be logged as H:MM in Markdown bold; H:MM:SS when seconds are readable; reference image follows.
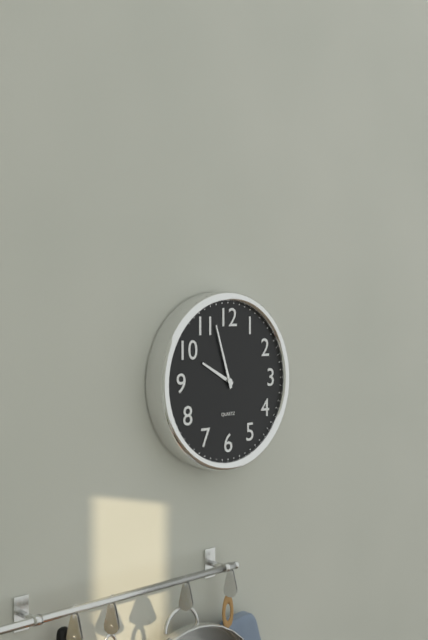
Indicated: **9:57**
